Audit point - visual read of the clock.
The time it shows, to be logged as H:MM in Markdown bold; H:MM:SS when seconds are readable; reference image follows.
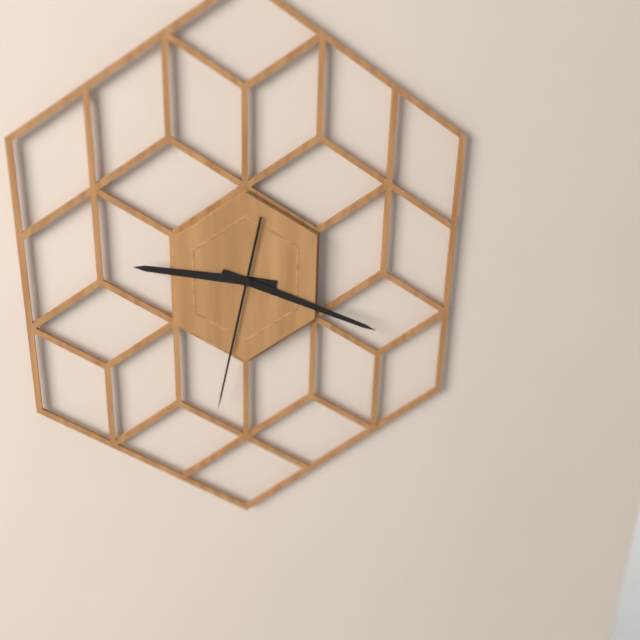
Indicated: **9:19:32**
